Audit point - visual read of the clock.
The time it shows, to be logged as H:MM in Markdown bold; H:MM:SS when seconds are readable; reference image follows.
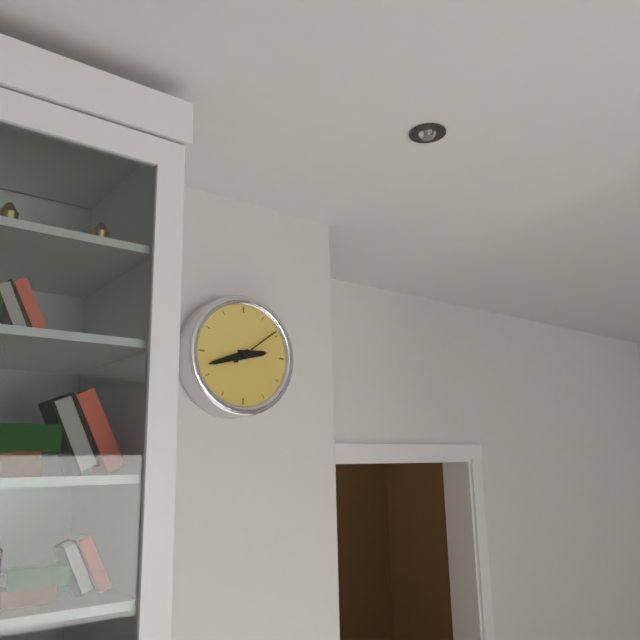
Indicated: **2:42:09**
